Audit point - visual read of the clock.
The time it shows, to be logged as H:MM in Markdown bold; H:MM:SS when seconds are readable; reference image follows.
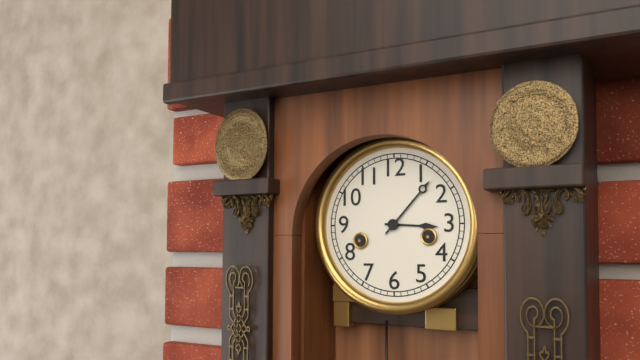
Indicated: **3:07**
